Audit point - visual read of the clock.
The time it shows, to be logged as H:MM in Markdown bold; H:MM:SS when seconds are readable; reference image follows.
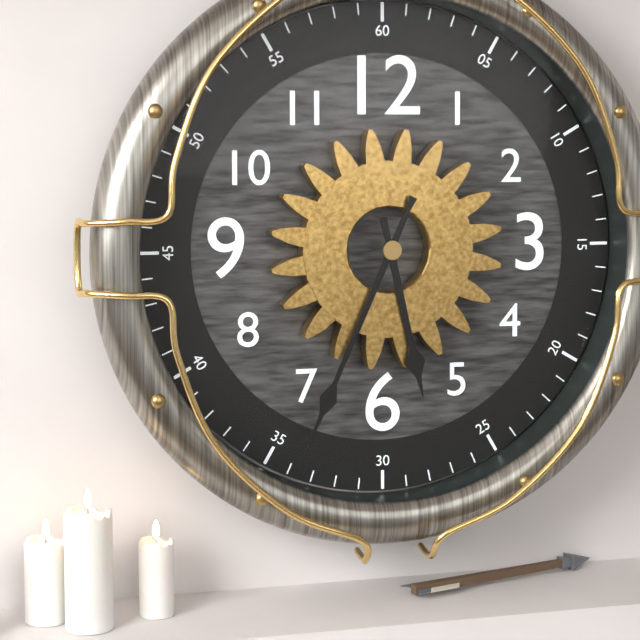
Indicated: **5:34**
